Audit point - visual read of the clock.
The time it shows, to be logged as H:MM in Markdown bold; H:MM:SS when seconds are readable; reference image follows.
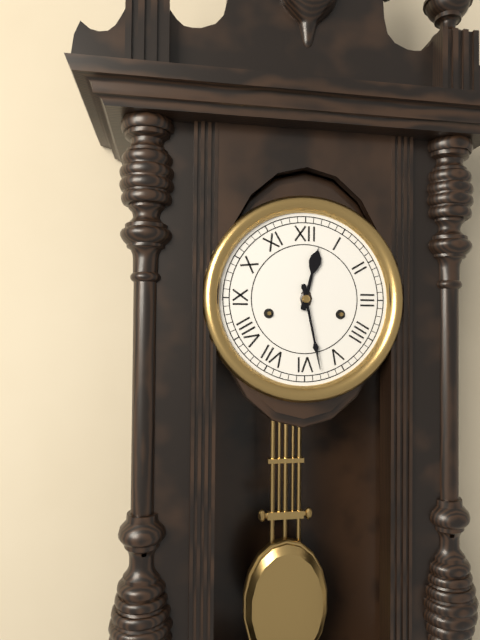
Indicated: **12:28**
